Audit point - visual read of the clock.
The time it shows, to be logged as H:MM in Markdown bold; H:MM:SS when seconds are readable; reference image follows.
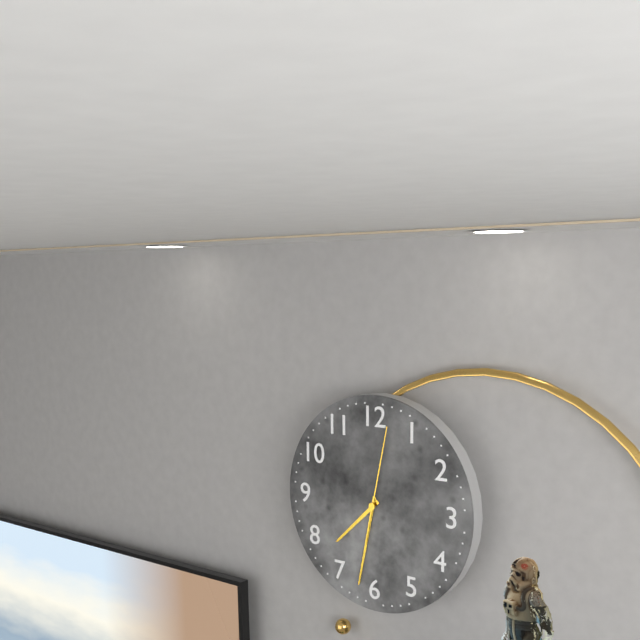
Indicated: **7:32:02**
